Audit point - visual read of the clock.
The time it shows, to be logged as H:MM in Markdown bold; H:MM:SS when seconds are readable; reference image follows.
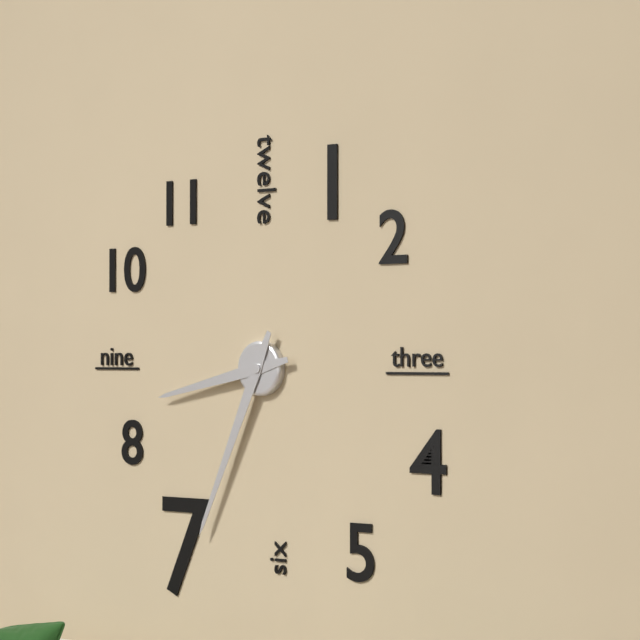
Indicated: **8:34**
